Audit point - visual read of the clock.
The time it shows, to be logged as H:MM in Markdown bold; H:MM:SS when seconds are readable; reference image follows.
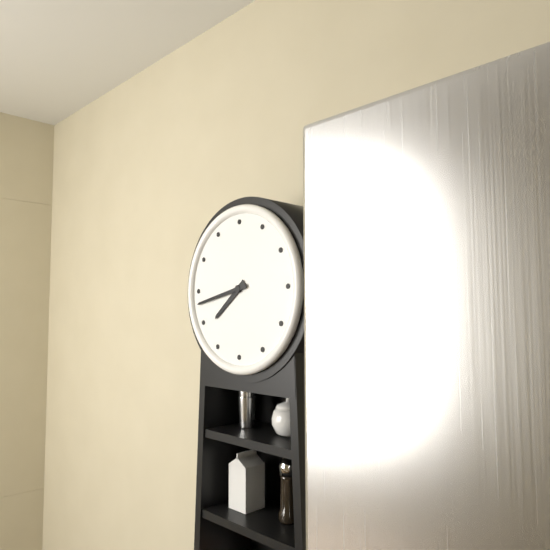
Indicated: **7:43**
